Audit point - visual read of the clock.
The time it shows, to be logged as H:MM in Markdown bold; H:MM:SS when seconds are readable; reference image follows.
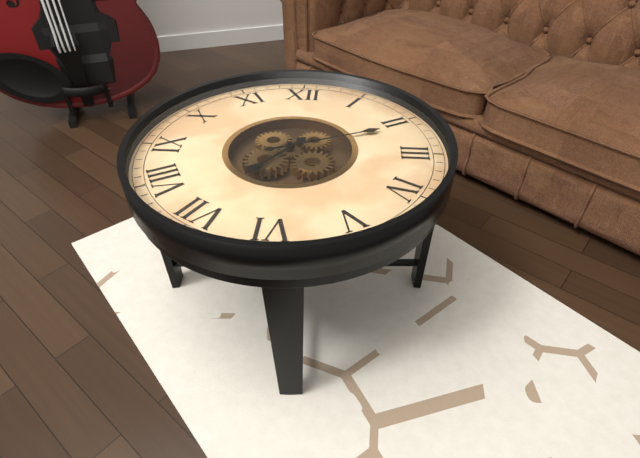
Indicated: **7:11**
